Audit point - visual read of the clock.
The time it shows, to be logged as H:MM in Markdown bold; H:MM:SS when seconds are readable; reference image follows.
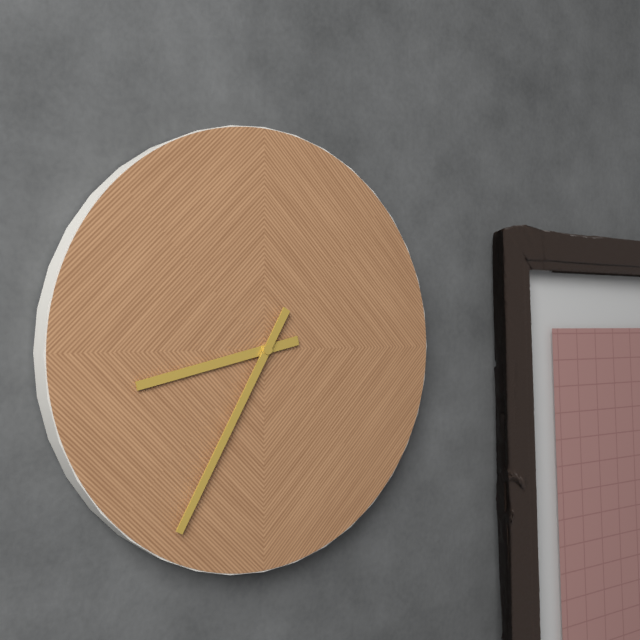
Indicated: **8:35**
